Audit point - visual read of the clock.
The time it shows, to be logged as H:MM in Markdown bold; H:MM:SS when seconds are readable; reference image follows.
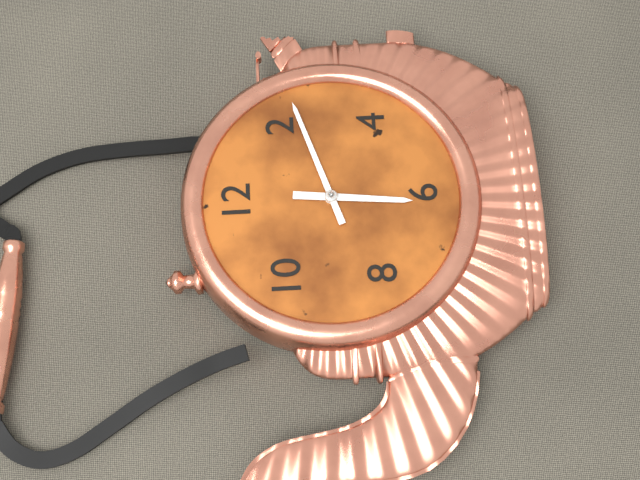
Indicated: **6:12**
